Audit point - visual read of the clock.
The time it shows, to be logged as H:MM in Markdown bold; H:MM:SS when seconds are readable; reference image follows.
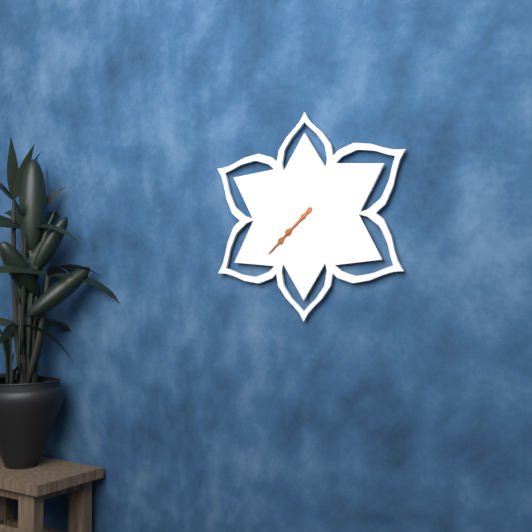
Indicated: **7:38**
